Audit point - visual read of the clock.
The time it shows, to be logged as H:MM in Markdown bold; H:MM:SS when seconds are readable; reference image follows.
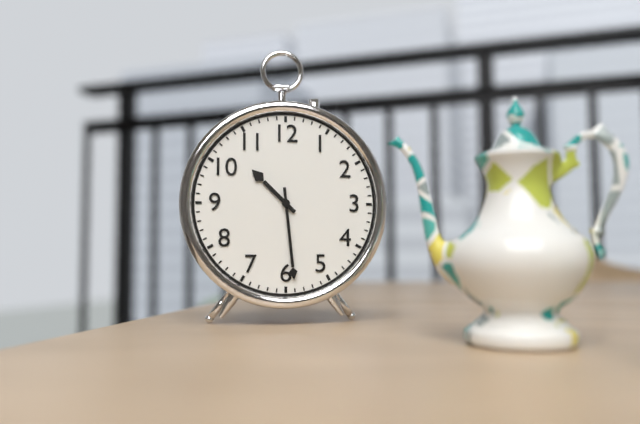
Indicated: **10:29**
